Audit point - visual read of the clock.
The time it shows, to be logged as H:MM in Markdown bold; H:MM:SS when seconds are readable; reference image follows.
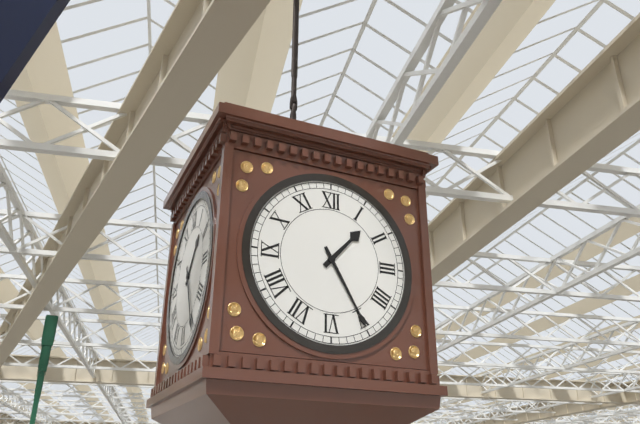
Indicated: **1:25**
